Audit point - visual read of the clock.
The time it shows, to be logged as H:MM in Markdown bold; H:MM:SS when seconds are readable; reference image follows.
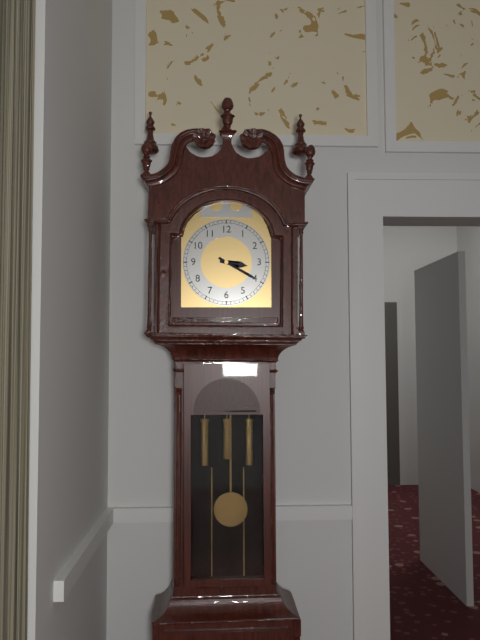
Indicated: **3:20**
